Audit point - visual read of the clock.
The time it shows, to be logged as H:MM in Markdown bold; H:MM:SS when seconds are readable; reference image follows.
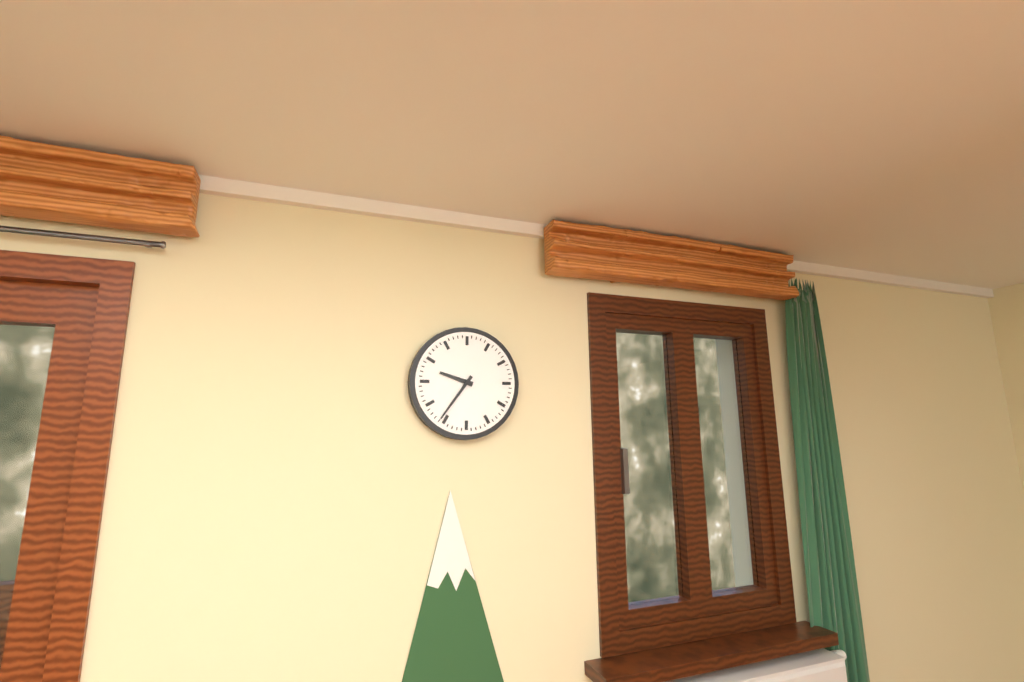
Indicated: **9:36**
